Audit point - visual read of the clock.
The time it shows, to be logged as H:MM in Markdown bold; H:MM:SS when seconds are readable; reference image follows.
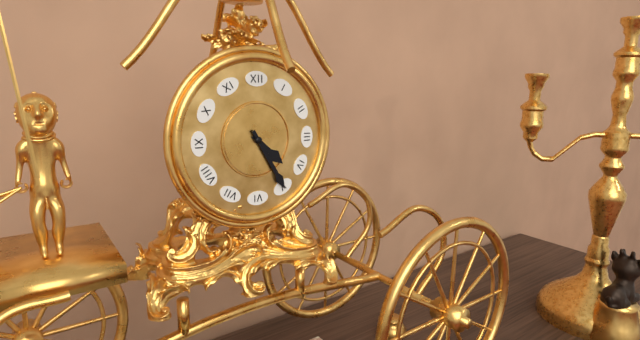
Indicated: **4:25**
